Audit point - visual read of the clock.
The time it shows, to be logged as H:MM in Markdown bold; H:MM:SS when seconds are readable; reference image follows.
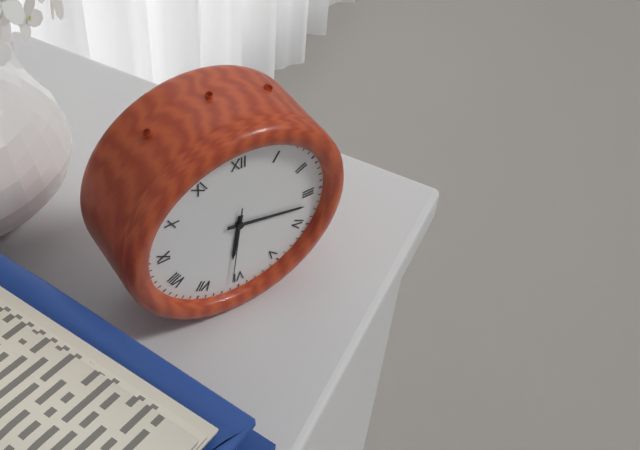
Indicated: **6:17:31**
